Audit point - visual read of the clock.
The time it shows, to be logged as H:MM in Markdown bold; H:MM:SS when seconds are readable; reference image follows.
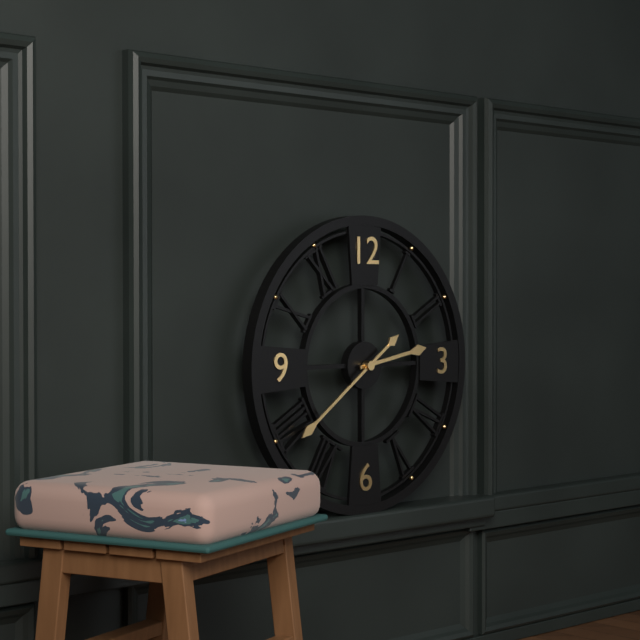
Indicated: **2:39**
